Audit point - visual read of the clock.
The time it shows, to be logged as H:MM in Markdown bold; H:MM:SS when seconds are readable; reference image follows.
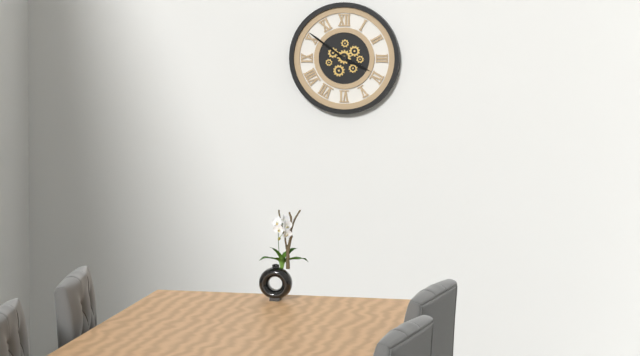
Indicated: **3:51**
